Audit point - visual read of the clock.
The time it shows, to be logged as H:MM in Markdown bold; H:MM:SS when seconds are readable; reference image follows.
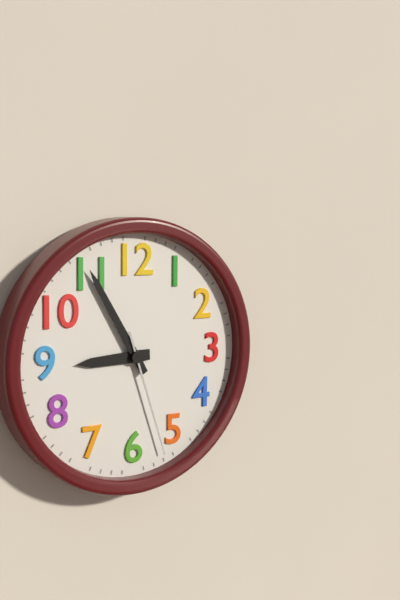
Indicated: **8:55:27**
